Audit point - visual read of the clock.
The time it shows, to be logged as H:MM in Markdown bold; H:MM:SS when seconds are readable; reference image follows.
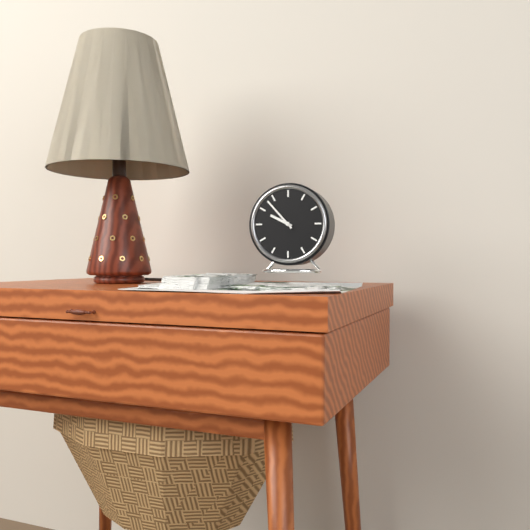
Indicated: **9:53**
